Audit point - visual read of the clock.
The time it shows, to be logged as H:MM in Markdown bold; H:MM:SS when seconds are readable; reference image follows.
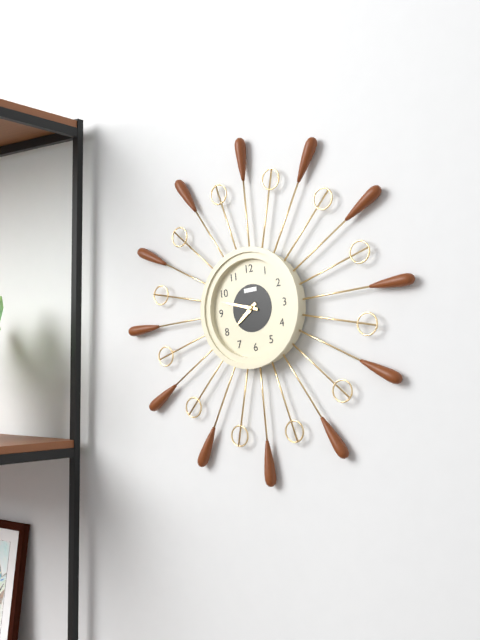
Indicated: **7:48**
